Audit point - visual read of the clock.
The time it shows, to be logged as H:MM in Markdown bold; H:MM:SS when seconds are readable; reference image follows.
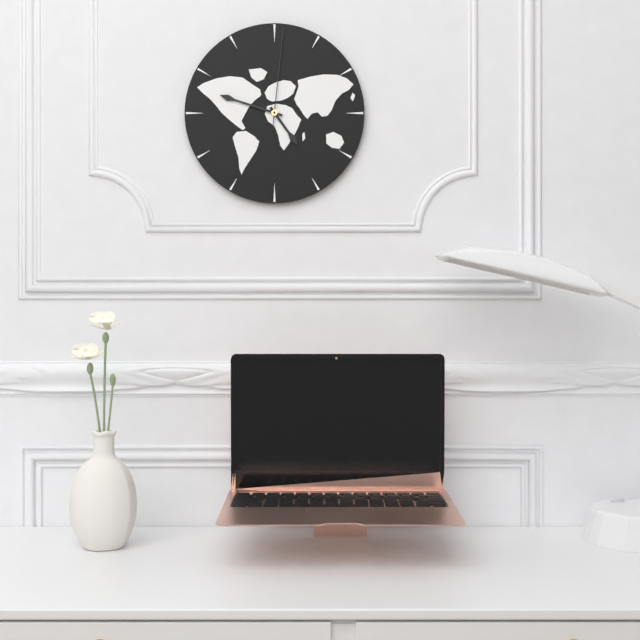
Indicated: **4:48:01**
